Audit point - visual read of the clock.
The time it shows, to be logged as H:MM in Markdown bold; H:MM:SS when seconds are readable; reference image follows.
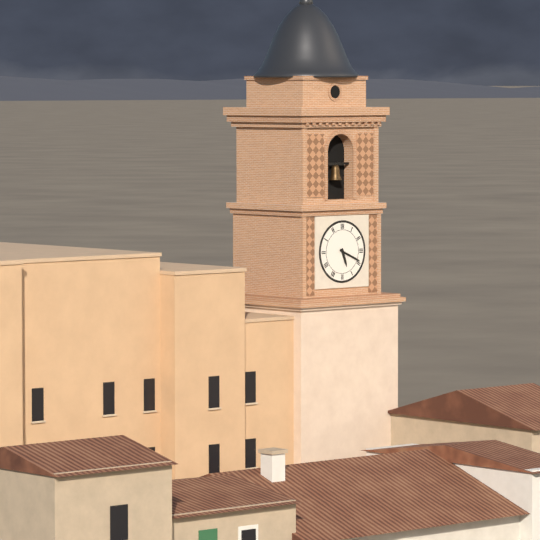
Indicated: **5:19**
